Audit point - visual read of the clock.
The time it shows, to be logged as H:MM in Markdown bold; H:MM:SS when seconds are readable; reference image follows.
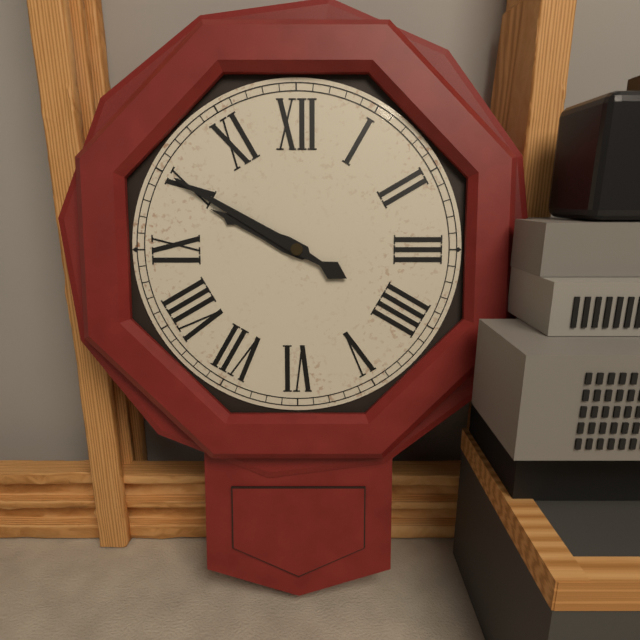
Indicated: **9:50**
